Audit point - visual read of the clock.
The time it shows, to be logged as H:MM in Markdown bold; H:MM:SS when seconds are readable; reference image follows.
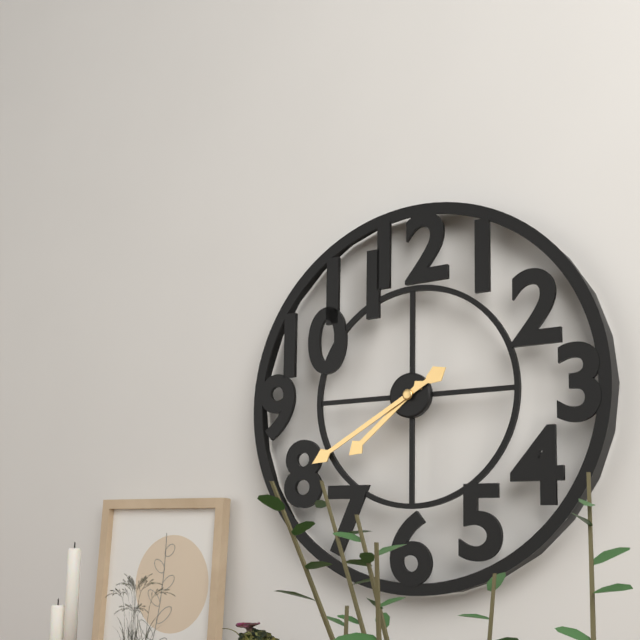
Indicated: **7:40**
